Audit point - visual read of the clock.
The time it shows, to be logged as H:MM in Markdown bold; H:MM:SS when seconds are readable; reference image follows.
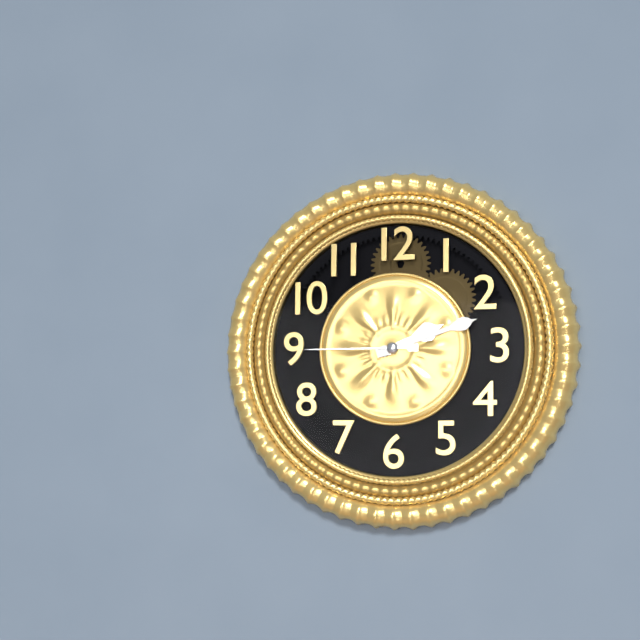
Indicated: **2:12:45**
